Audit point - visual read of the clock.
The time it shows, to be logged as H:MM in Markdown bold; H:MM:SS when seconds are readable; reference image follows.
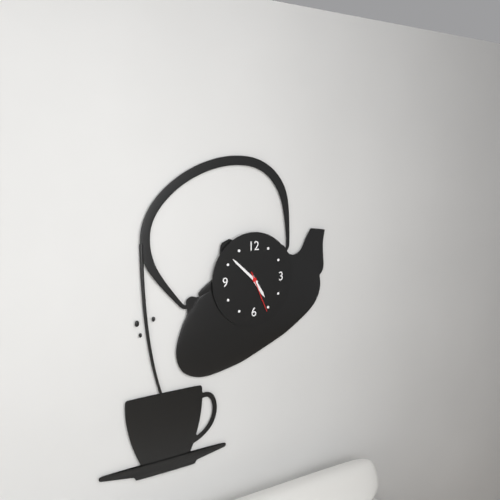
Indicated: **4:52**
